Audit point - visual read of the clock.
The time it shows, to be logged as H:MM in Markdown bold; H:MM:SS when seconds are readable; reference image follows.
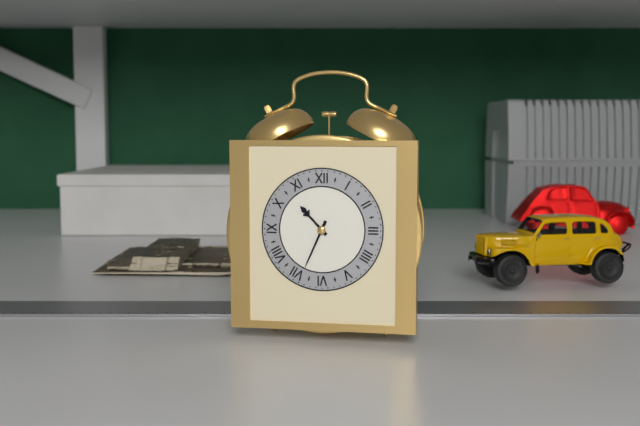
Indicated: **10:34**
